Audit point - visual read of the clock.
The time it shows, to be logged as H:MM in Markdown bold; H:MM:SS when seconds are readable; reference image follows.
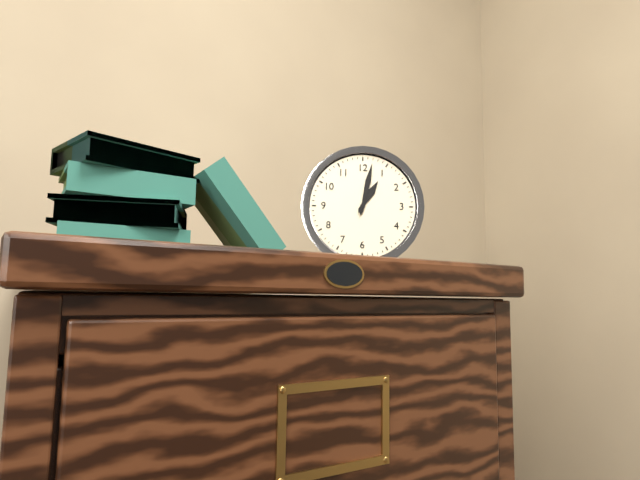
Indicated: **1:02**
